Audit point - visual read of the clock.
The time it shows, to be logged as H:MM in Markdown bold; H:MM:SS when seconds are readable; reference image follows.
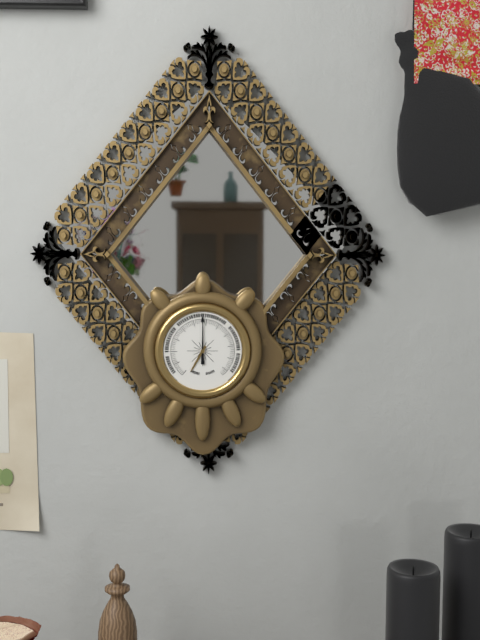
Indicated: **7:00**
